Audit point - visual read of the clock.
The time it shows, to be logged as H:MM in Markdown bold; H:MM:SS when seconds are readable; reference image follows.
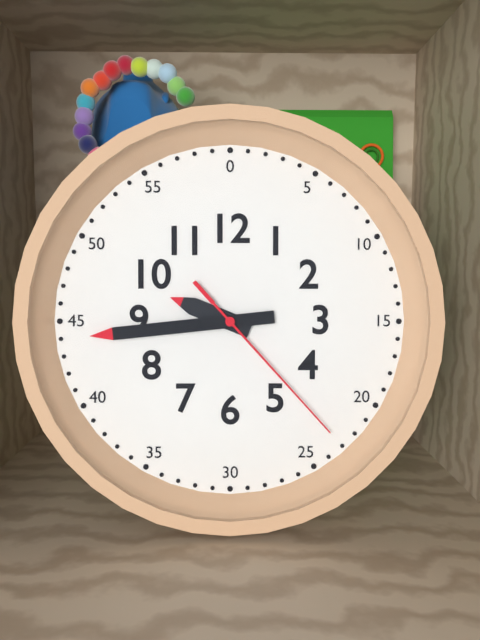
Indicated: **9:44:23**
